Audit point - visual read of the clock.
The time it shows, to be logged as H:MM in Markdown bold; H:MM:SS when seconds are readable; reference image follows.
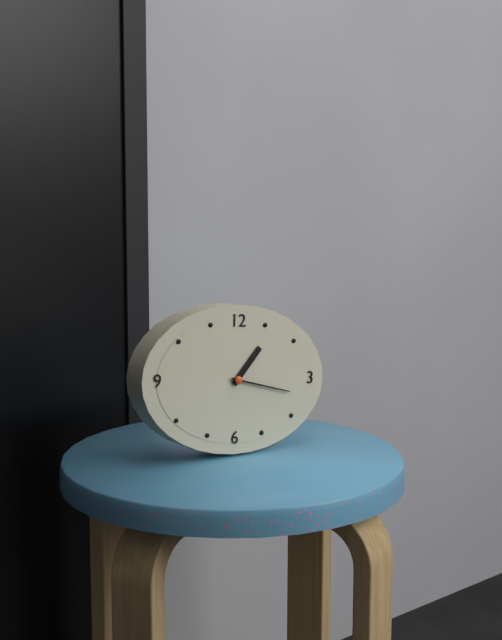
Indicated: **1:17**
